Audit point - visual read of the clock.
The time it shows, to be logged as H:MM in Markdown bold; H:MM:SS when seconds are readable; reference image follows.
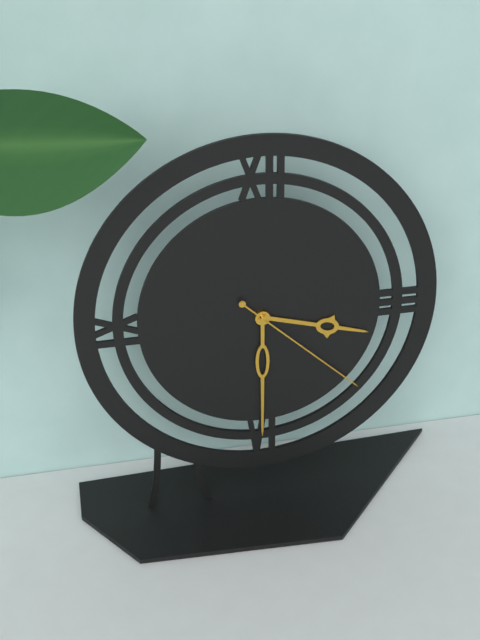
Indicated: **3:30:22**
